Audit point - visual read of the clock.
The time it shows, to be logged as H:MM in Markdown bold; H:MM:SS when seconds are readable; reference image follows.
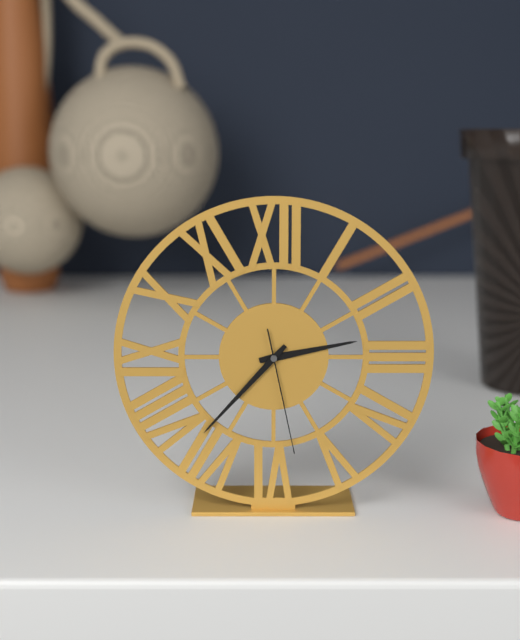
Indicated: **2:37:28**
